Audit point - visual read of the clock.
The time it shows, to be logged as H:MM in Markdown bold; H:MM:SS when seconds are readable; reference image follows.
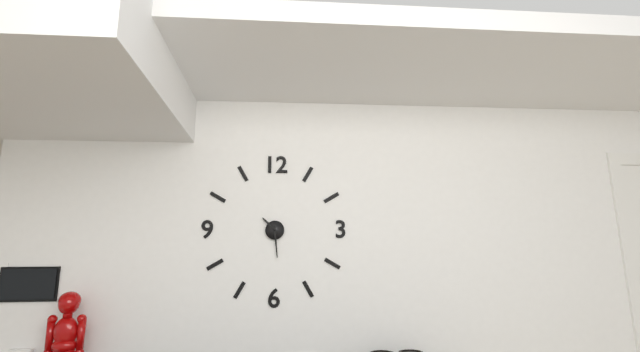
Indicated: **10:29**
